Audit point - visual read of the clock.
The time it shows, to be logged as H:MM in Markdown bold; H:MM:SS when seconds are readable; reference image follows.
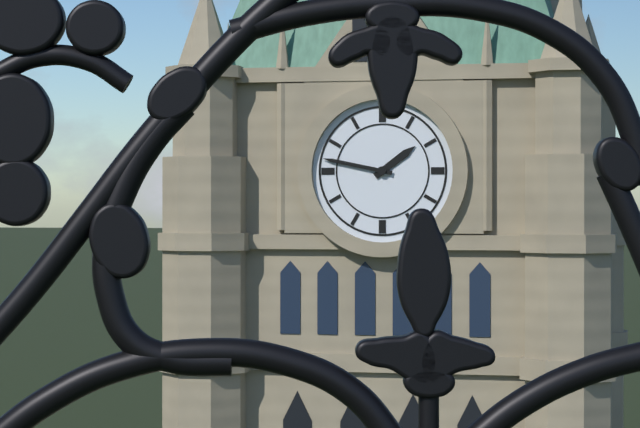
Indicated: **1:47**
